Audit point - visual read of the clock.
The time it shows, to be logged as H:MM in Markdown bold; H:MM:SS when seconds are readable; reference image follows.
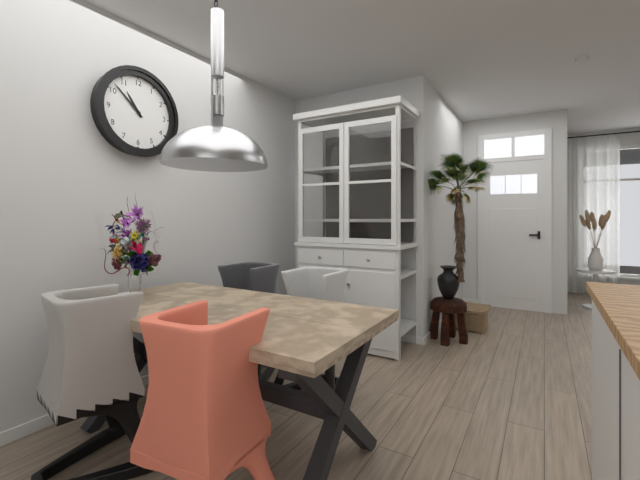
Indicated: **10:52**
